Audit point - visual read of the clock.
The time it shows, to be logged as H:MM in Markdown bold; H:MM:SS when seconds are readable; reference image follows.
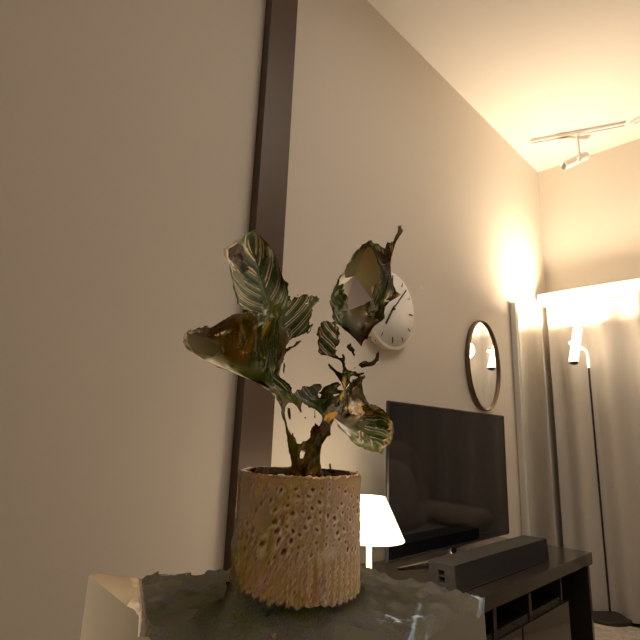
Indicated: **7:07**
